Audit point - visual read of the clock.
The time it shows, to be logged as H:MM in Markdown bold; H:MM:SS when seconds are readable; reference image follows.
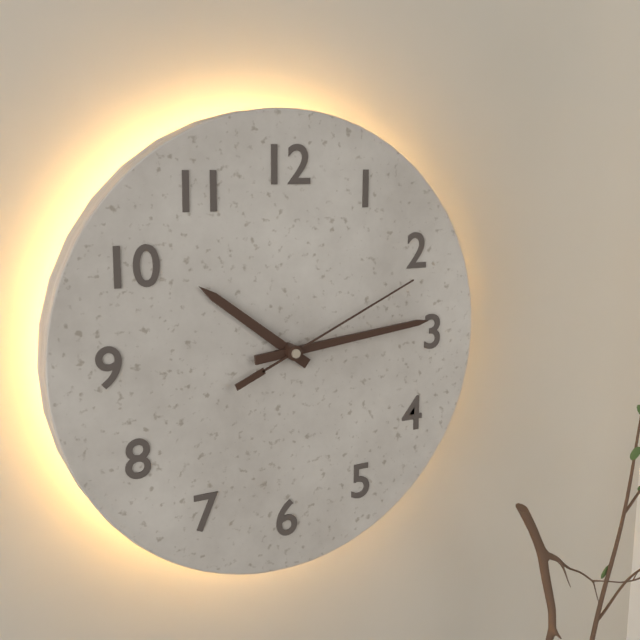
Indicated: **10:14:11**
